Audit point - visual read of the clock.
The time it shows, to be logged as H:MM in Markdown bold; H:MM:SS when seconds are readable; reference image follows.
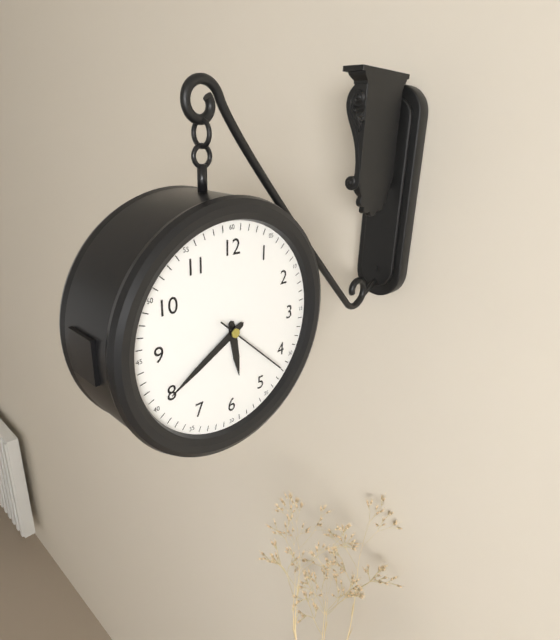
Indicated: **5:40:22**
